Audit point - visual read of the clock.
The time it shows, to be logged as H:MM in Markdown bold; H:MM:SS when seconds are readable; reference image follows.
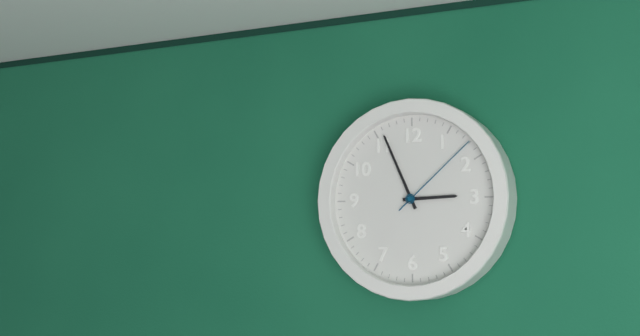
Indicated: **2:56:08**
